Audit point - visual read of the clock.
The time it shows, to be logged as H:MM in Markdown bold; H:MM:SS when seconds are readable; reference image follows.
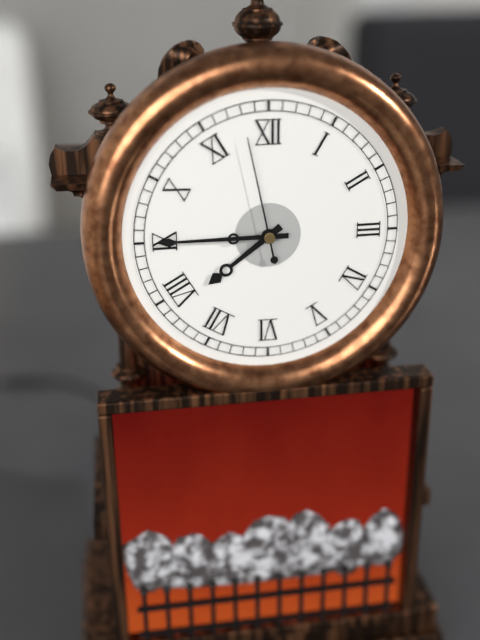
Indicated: **7:45:58**
